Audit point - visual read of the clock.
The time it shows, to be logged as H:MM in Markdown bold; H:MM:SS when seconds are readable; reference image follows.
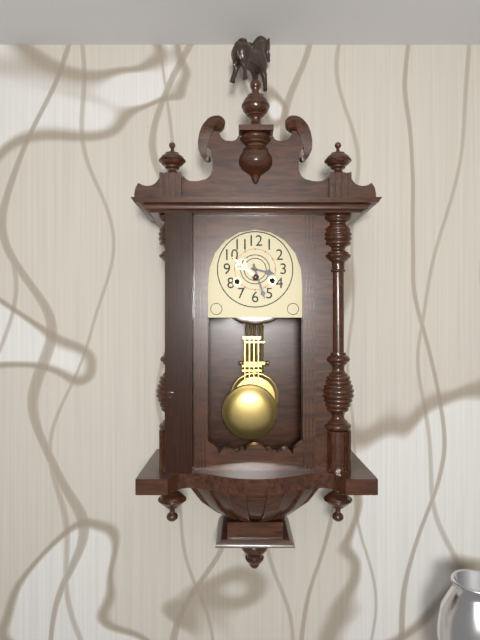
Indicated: **3:27**
